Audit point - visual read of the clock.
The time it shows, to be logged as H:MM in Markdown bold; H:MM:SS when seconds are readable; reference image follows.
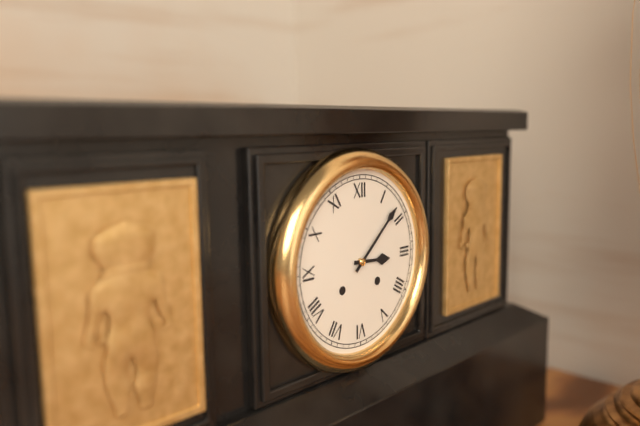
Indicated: **3:08**
